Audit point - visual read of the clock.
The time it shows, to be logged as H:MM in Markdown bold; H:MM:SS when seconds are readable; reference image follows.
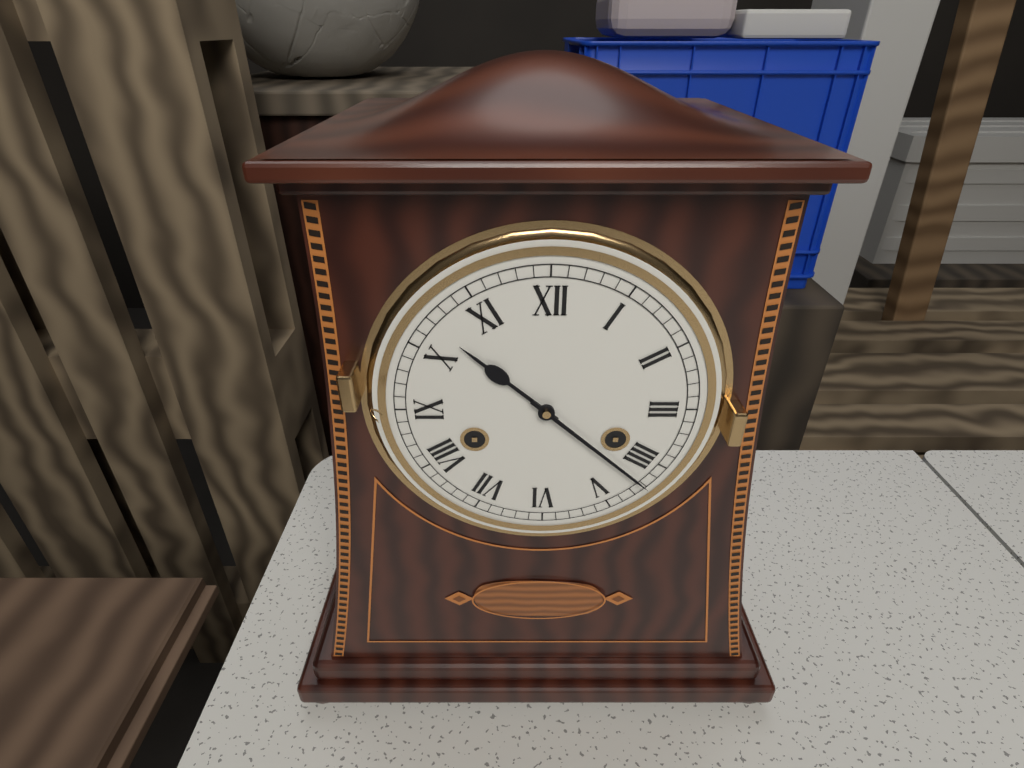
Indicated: **10:22**
